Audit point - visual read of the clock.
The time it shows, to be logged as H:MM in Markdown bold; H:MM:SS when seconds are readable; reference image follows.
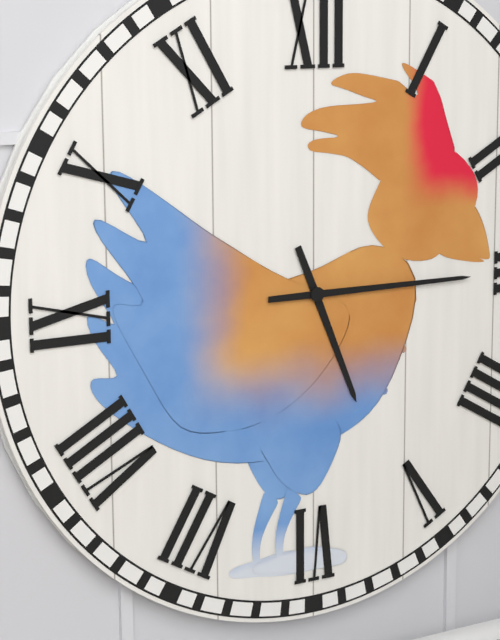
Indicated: **5:15**
